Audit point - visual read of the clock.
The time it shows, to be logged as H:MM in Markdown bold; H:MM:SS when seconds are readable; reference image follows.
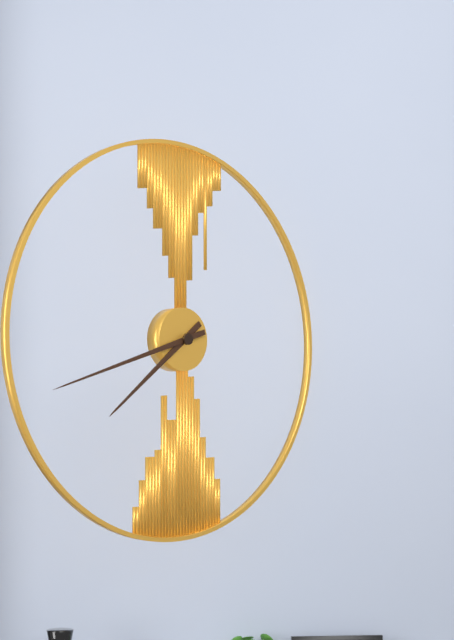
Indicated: **7:42**
